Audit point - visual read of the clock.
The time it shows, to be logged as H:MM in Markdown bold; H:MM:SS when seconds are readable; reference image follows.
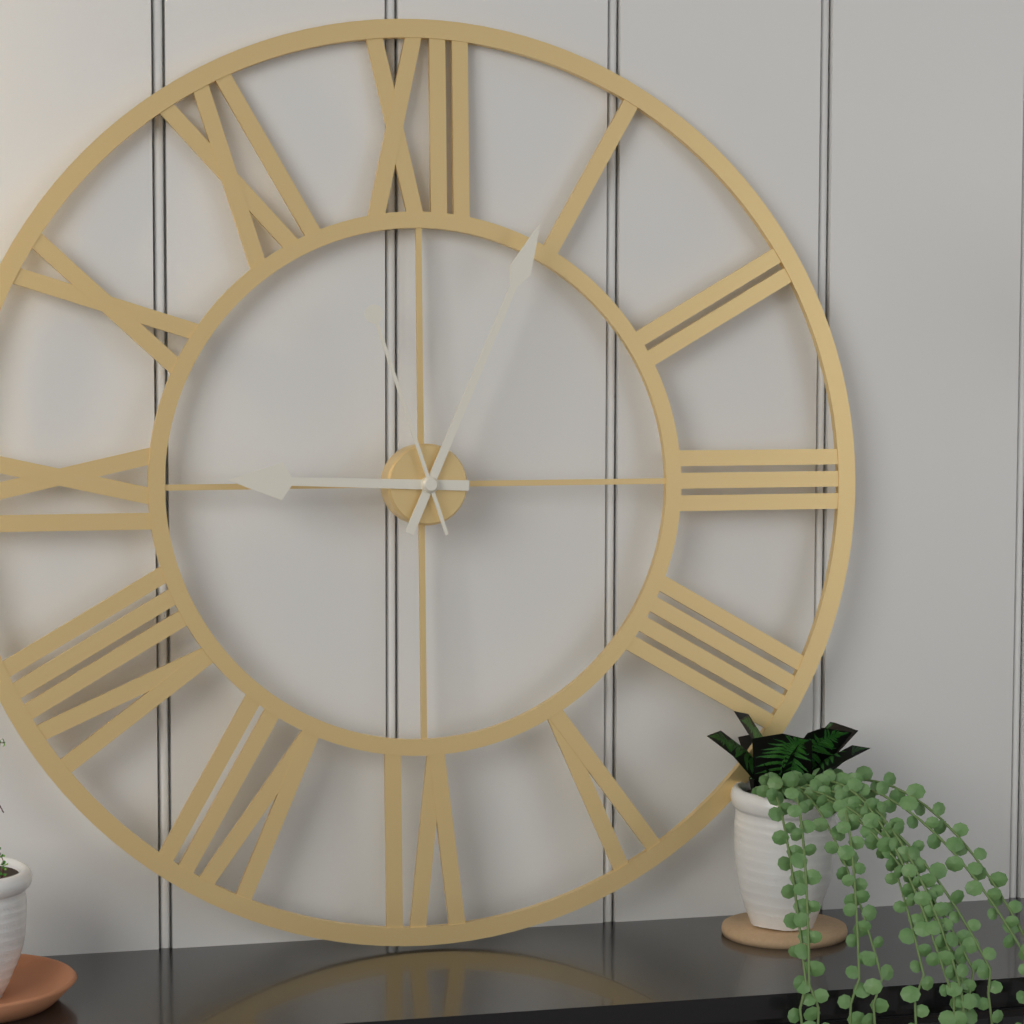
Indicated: **9:04:57**
